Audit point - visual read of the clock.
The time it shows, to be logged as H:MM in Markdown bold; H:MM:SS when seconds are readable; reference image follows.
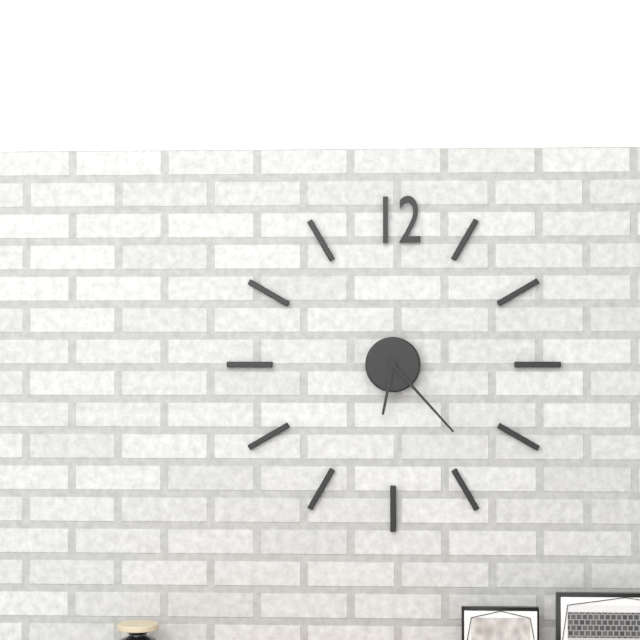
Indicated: **6:23**
